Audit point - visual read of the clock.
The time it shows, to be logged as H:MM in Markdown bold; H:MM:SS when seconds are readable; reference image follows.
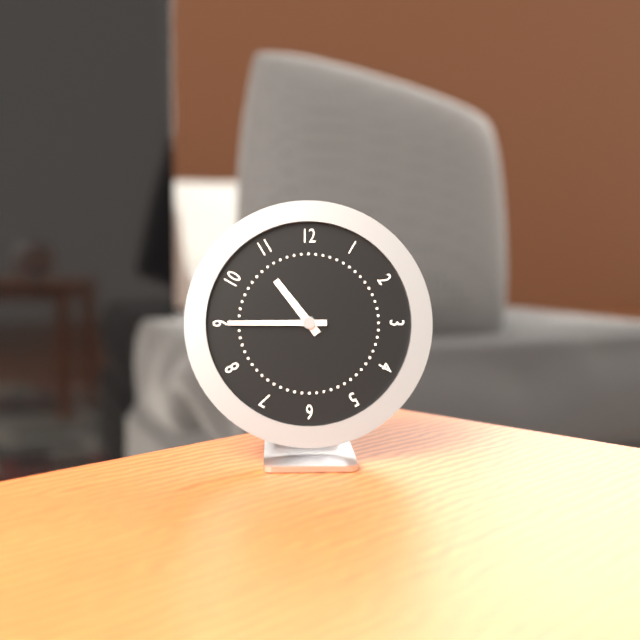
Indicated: **10:45**
